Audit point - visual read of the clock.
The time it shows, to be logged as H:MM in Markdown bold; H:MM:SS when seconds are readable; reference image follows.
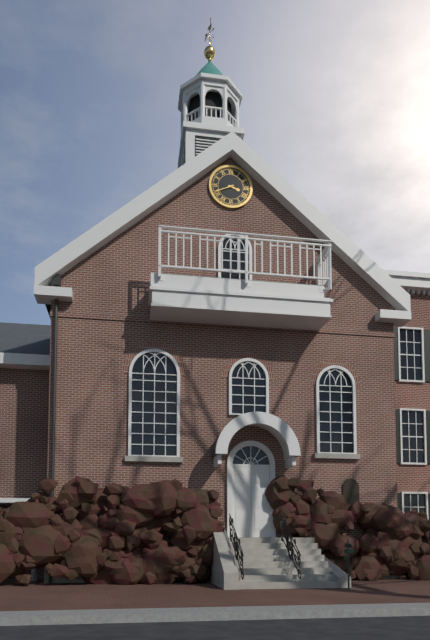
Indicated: **3:41**
